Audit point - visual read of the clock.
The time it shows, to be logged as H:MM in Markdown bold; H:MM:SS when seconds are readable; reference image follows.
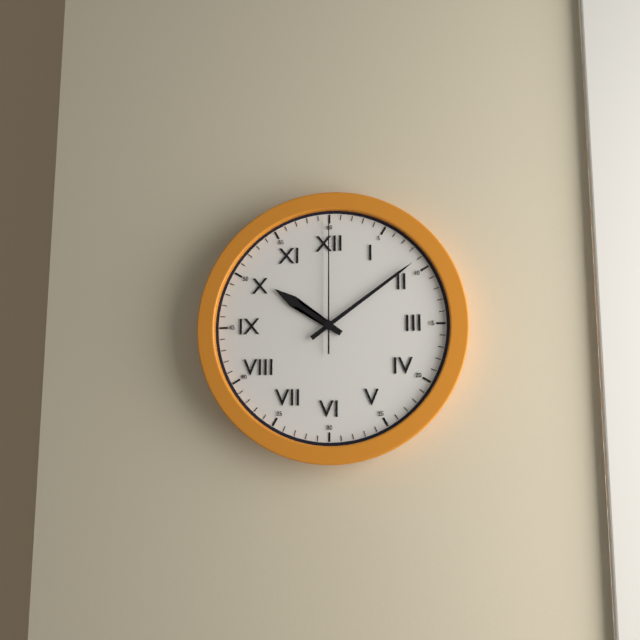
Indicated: **10:09:00**
